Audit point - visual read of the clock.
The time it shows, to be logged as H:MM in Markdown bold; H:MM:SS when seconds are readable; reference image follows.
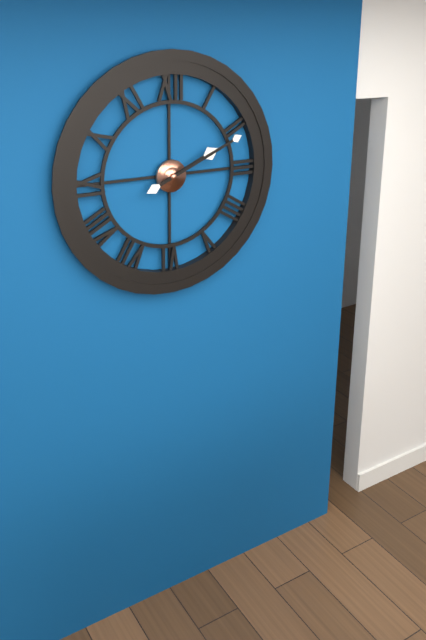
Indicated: **2:11**
